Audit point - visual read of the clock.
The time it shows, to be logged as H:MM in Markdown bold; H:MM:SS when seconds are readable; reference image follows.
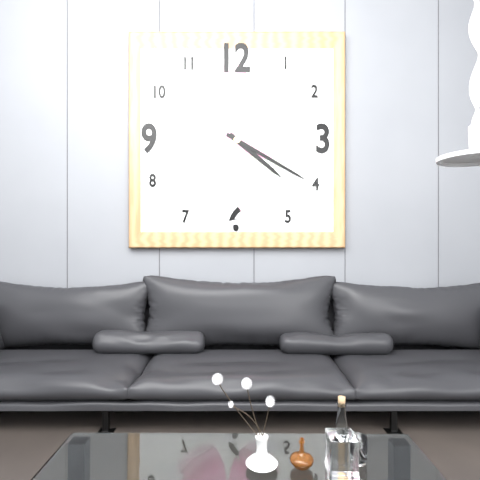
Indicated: **4:20**
